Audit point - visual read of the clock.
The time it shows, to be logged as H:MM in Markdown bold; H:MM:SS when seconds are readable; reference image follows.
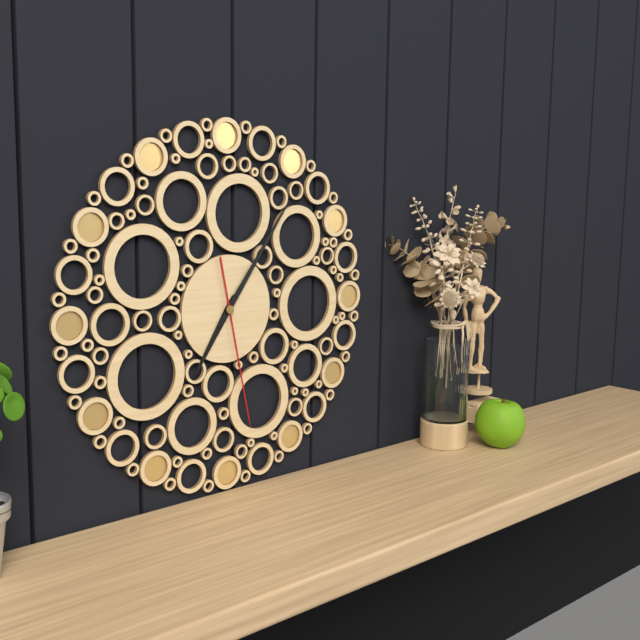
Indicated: **7:06:28**
